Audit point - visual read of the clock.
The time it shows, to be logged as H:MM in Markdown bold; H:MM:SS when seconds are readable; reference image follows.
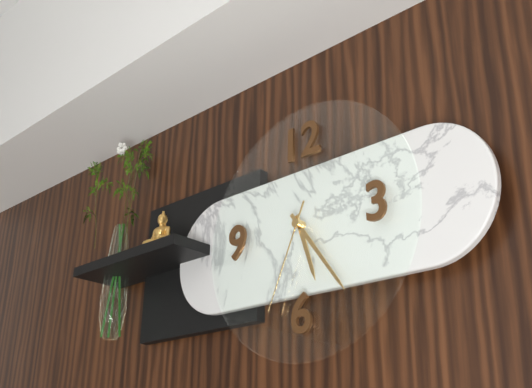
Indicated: **5:24:34**
